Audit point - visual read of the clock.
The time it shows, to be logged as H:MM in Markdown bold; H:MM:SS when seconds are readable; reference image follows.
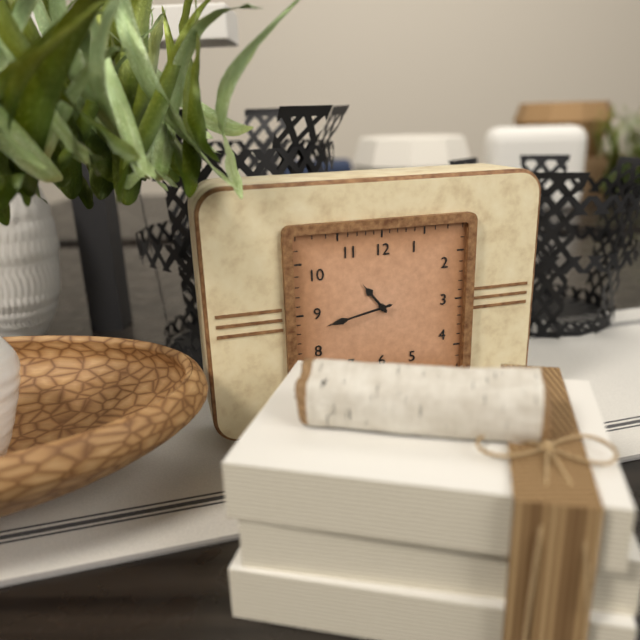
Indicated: **10:43**
